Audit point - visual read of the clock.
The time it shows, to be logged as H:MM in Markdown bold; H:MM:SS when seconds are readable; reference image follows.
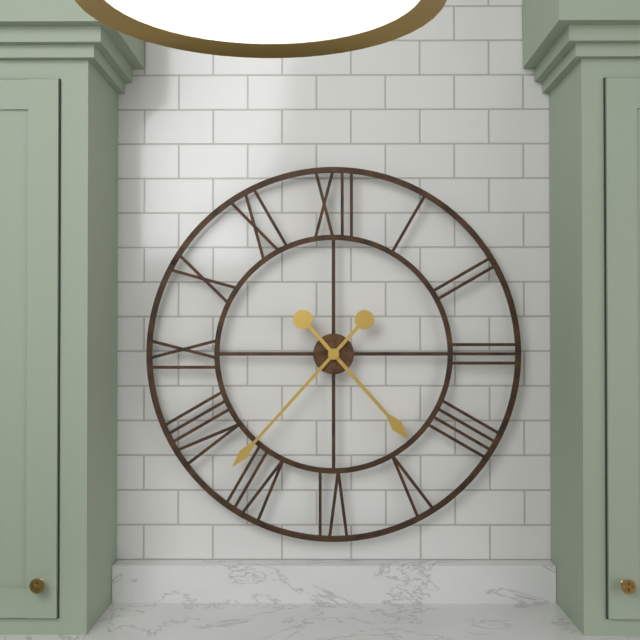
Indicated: **4:37**
